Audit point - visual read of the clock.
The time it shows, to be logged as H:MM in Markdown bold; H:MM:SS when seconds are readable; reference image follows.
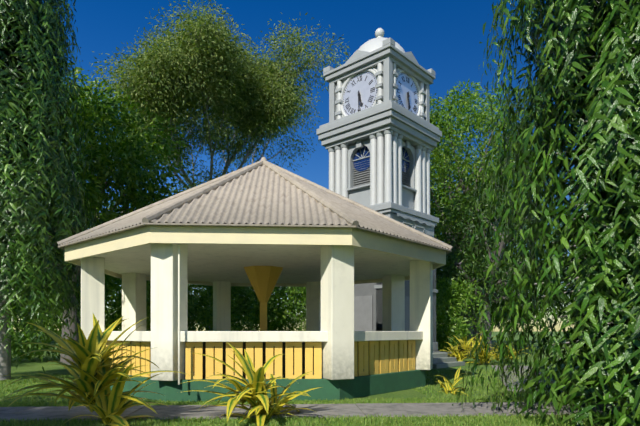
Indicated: **5:30**
